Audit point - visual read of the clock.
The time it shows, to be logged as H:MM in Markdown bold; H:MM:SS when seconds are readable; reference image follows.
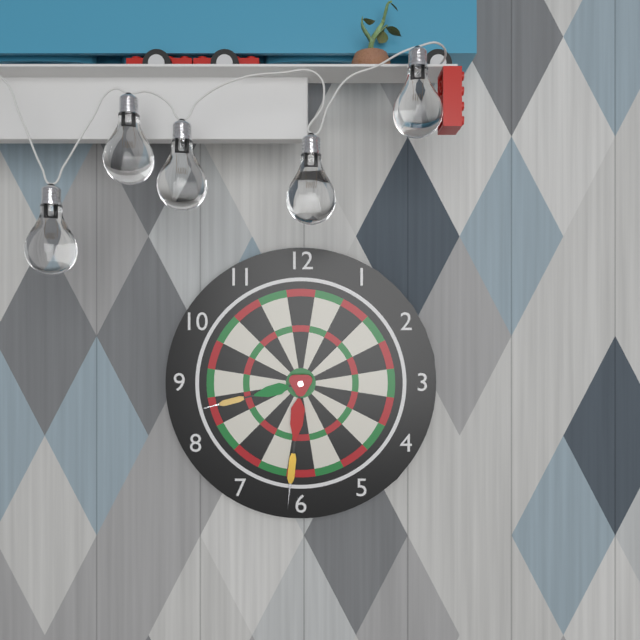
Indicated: **8:31**
